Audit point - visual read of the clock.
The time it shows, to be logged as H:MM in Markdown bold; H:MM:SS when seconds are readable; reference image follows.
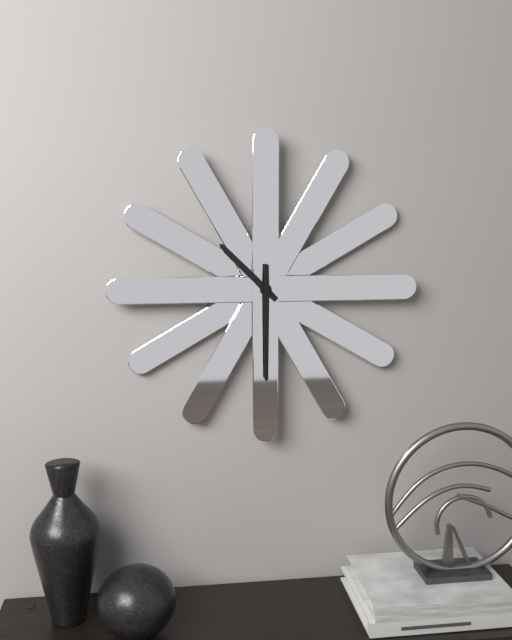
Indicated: **10:30**
